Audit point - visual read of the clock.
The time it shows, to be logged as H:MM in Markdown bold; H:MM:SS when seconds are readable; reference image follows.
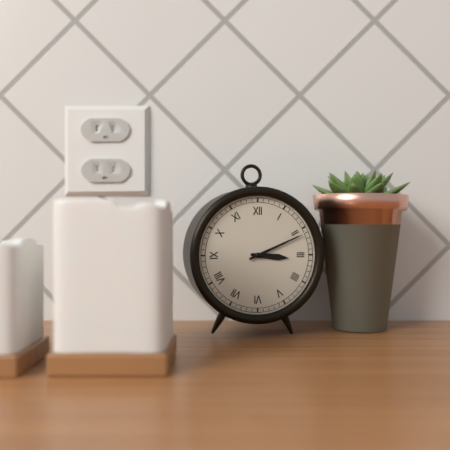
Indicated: **3:11**
